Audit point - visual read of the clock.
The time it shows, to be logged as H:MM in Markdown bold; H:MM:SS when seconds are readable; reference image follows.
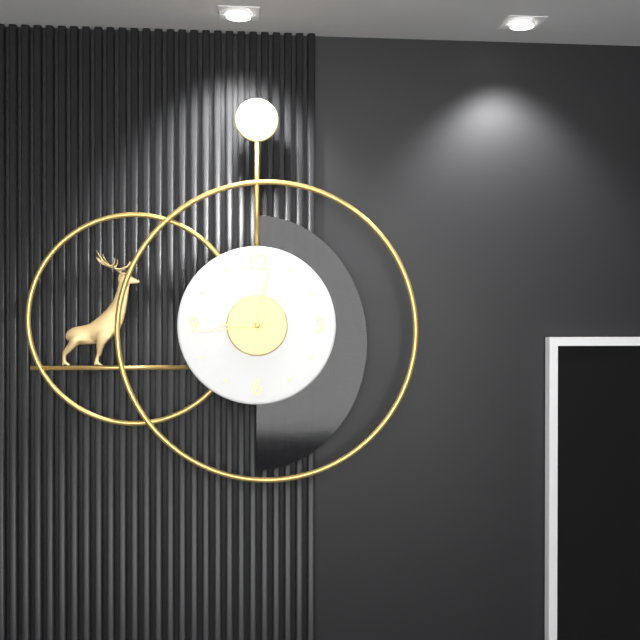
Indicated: **9:02:44**
